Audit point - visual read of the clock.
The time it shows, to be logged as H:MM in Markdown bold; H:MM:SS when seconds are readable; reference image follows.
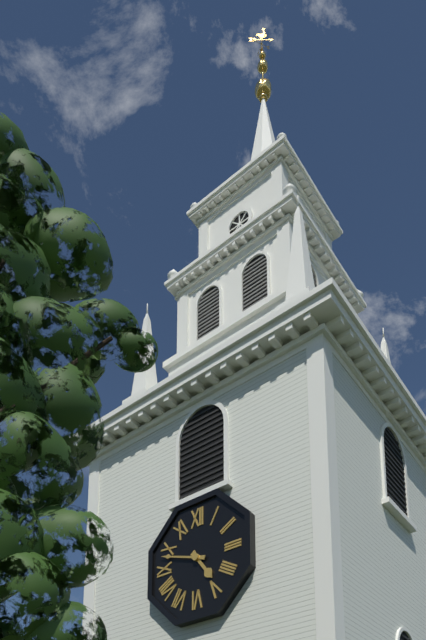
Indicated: **4:48**
